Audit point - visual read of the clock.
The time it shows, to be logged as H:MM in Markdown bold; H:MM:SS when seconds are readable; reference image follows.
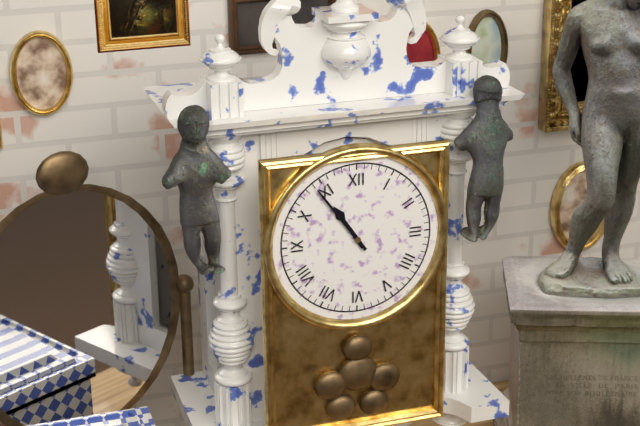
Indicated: **10:54**
